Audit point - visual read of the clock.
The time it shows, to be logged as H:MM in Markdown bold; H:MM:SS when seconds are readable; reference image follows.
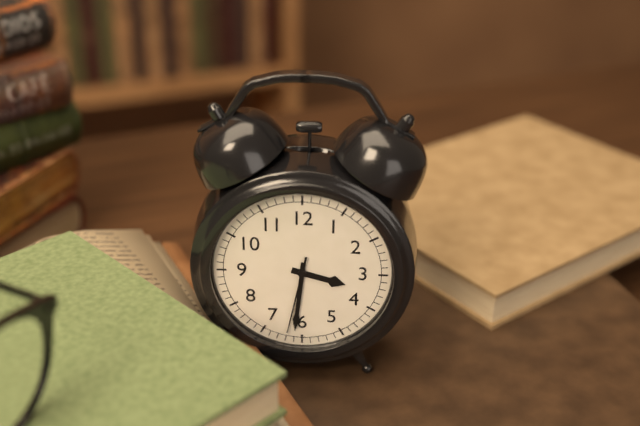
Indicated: **3:31:32**
